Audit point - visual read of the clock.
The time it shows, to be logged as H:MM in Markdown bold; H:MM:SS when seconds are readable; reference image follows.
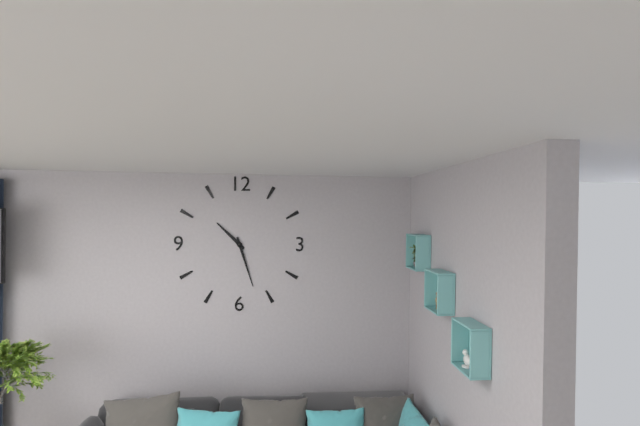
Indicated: **10:27**
